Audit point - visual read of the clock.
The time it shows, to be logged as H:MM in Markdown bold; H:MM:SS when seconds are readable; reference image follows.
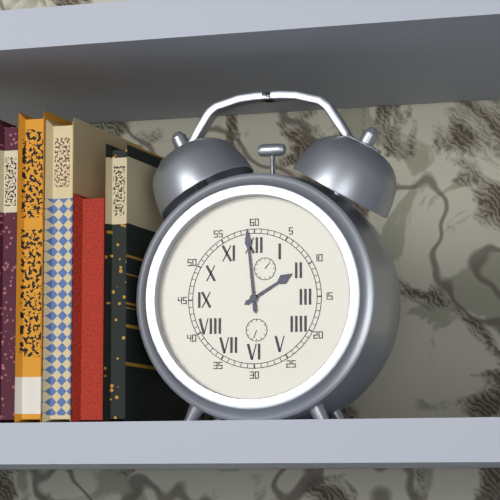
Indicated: **1:59**
